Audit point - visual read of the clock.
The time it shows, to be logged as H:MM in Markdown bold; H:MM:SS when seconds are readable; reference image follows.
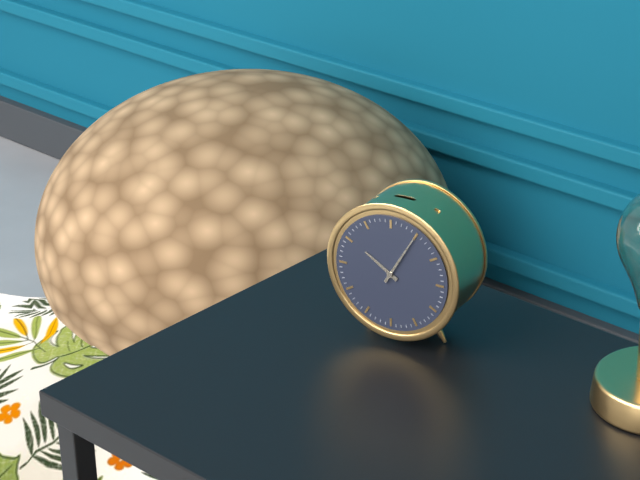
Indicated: **10:05**
